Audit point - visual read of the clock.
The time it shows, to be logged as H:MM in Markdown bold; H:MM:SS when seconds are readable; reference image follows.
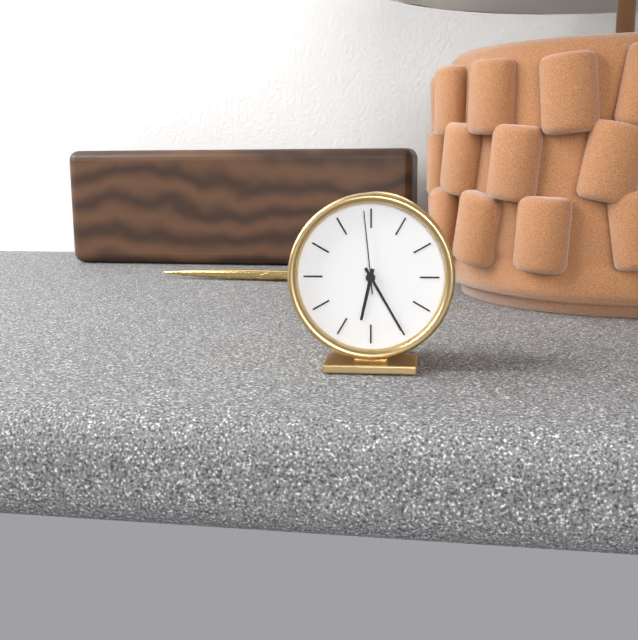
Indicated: **6:25:59**
